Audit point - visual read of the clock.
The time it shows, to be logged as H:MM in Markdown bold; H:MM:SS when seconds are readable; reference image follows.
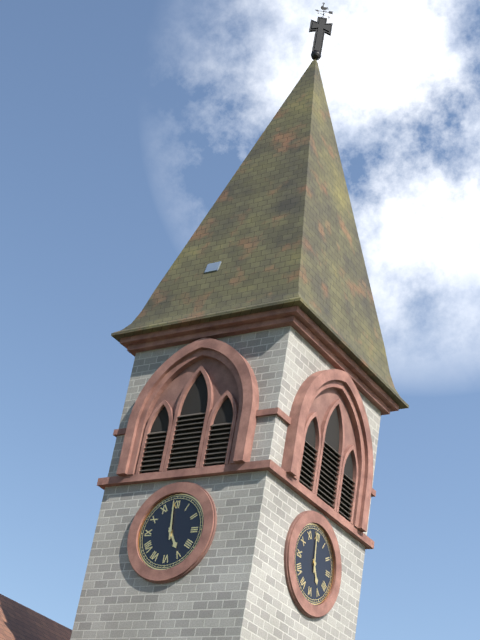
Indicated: **4:59**
